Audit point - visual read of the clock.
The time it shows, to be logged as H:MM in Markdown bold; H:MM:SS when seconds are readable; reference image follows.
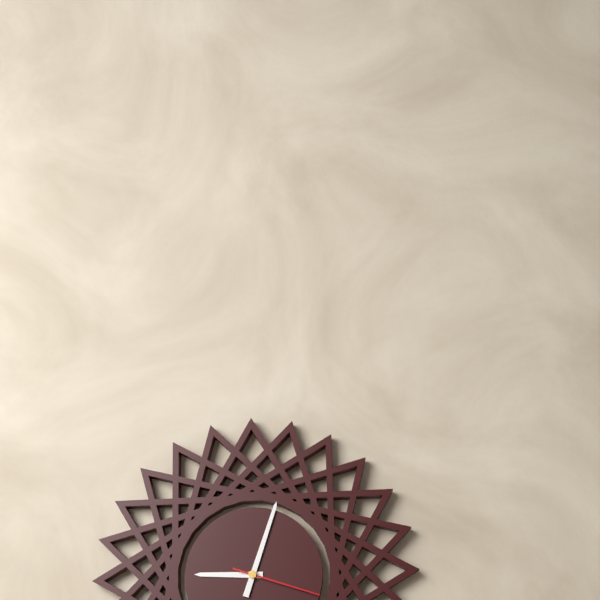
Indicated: **9:03:18**
